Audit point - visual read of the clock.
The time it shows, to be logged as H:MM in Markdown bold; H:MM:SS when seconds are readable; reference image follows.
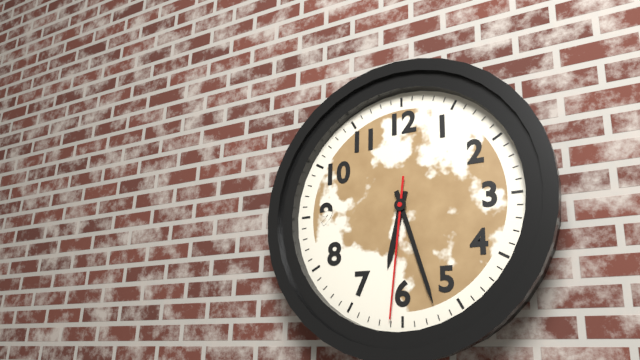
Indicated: **6:27:31**
